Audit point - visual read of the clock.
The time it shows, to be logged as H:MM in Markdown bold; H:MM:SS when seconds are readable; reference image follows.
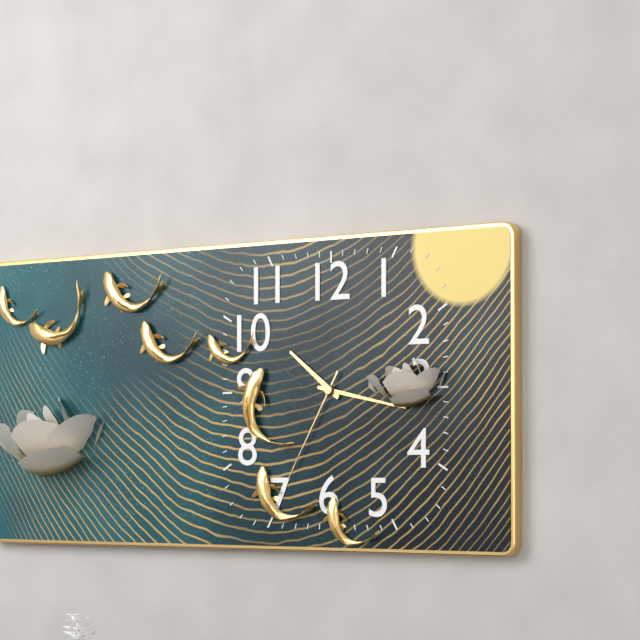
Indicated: **10:17:35**
